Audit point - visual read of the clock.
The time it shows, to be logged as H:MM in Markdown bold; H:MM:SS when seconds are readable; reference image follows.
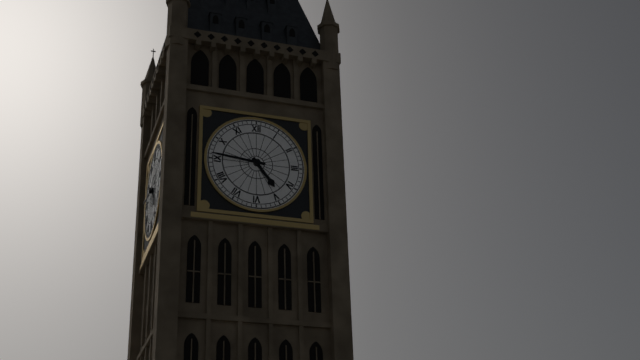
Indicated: **4:46**
